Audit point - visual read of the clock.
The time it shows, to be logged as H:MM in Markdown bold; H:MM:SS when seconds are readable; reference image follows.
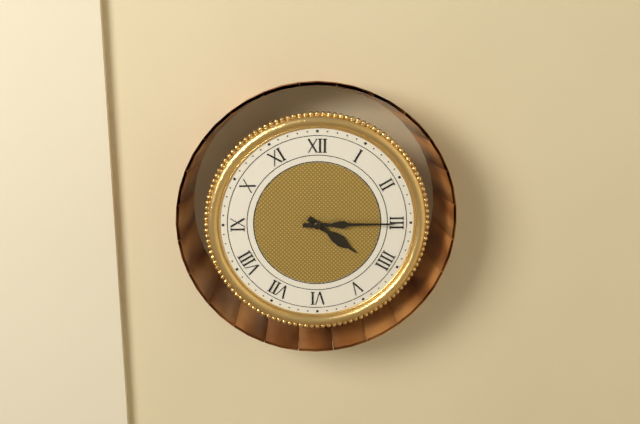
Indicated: **4:15**
